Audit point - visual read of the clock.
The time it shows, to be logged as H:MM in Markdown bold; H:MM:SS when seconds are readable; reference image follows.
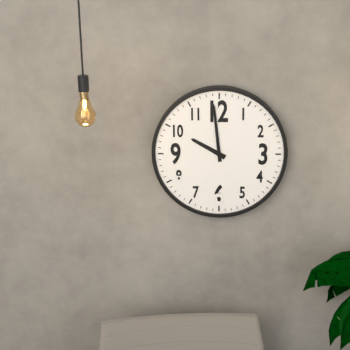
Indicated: **9:59**
